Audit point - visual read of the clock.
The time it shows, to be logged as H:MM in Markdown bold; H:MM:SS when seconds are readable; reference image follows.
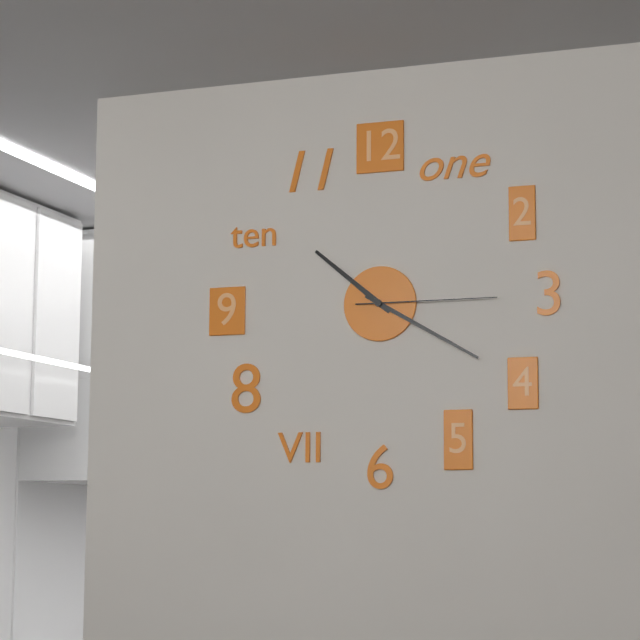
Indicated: **10:20:15**
